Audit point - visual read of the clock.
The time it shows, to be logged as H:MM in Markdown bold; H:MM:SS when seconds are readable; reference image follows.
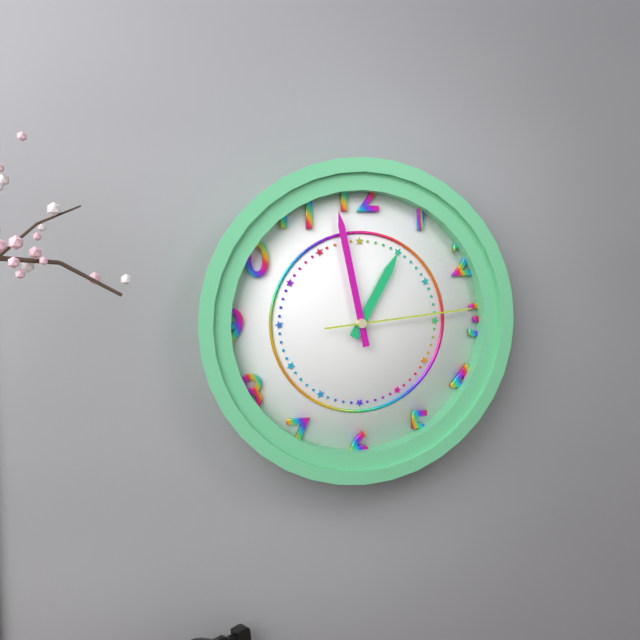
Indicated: **12:58:14**
